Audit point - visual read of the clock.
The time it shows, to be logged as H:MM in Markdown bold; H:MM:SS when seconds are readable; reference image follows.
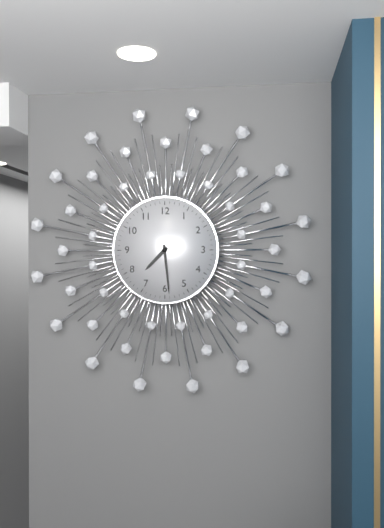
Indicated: **7:29**
